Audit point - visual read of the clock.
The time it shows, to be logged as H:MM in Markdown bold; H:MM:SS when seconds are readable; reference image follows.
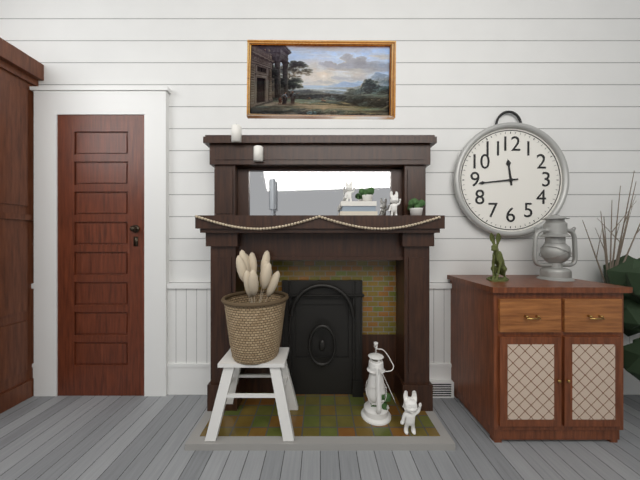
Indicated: **11:44**
